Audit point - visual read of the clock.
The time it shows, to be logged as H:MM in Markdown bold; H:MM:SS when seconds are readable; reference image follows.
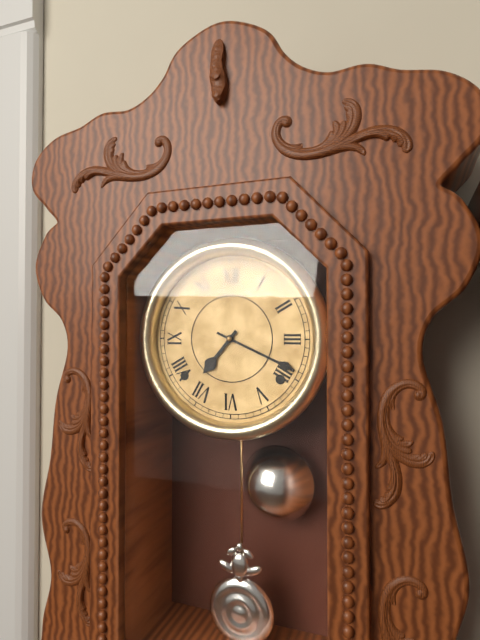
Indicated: **7:19**
